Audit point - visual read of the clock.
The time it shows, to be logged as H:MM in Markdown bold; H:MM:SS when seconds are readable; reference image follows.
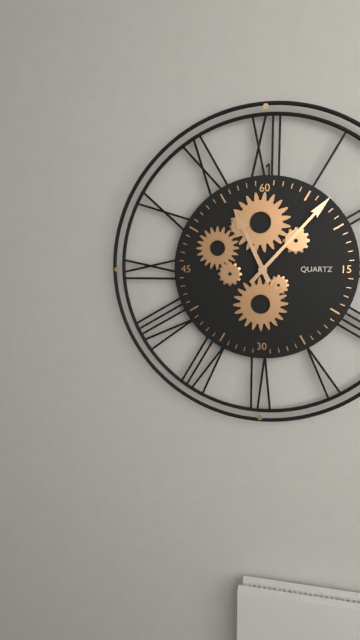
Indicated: **11:07**
